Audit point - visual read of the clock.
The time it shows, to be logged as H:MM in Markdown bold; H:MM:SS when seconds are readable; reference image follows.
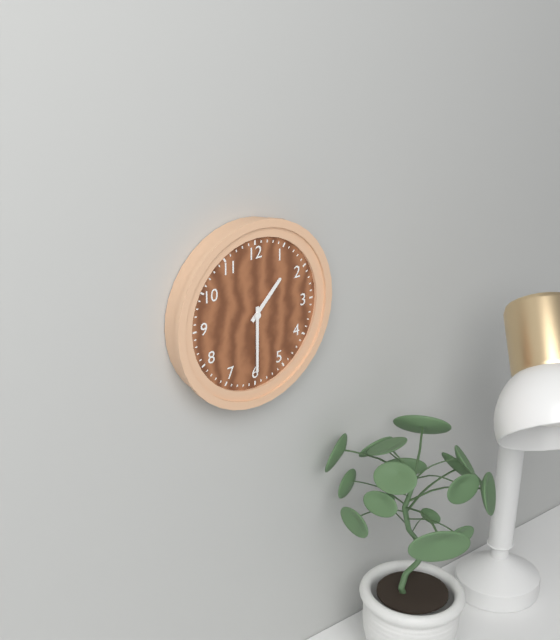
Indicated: **1:30**
